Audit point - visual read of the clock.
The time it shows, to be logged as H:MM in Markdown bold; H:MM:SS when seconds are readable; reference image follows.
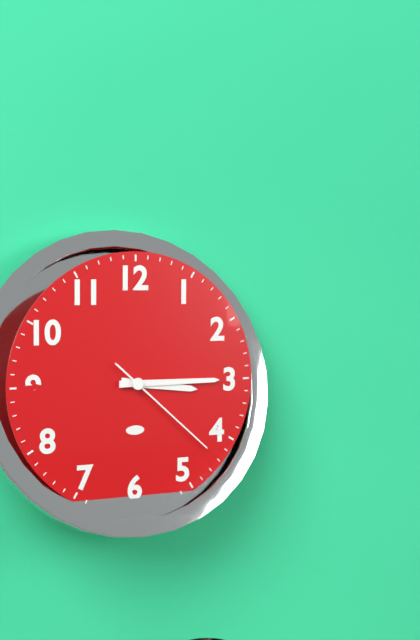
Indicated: **3:15:22**
